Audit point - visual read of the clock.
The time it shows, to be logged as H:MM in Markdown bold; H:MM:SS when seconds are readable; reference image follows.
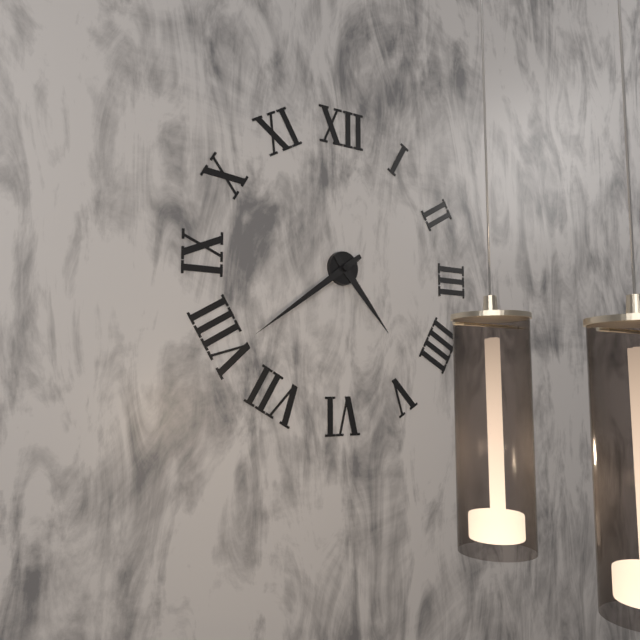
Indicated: **4:39**
